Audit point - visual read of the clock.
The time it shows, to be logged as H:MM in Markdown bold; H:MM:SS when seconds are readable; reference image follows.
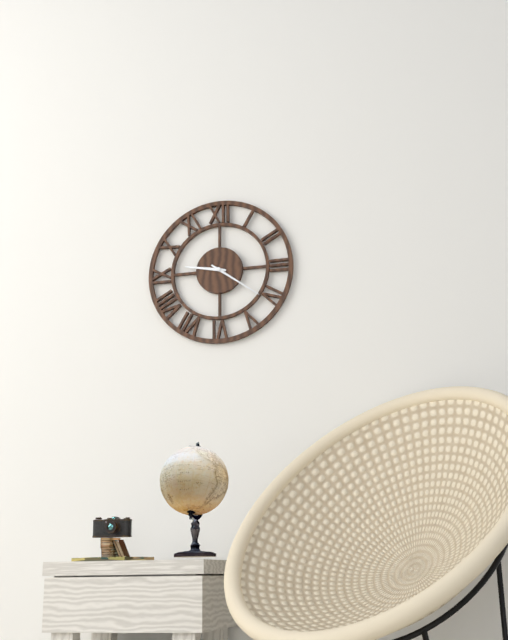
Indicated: **9:21**
